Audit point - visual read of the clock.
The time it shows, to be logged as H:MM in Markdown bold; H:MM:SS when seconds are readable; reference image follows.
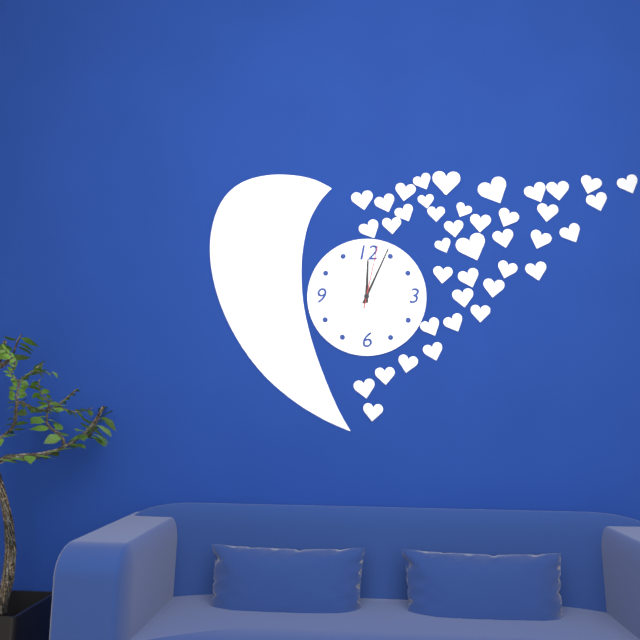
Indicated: **12:04:02**
